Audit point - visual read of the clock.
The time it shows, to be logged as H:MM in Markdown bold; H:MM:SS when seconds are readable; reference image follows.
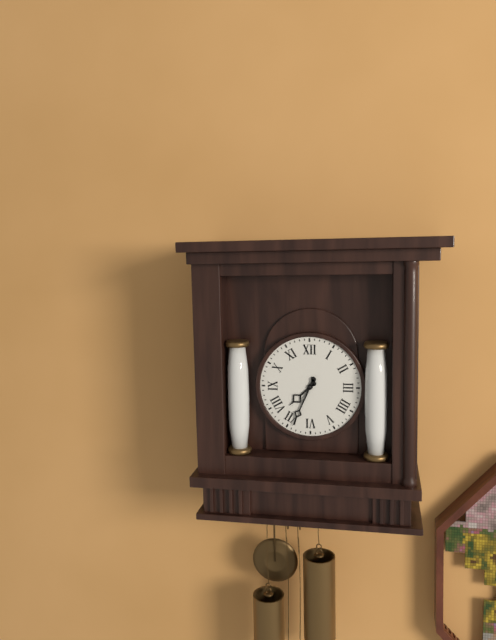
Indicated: **7:34**
